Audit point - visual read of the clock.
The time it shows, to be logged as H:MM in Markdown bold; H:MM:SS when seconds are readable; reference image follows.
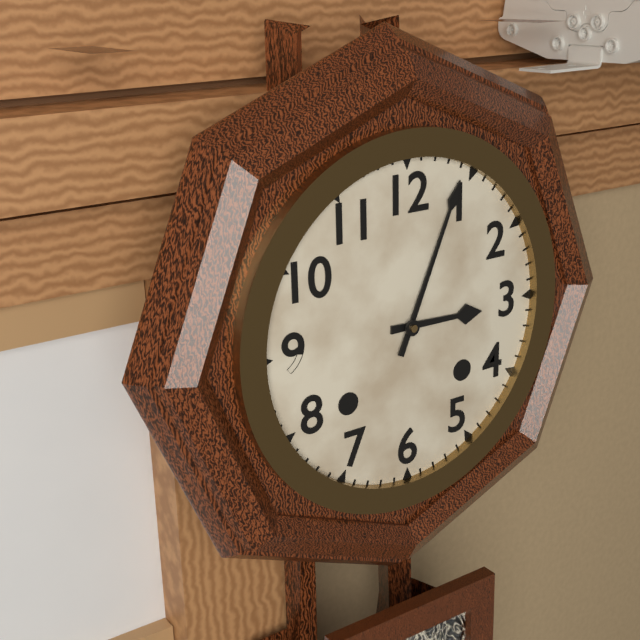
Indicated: **3:04**
